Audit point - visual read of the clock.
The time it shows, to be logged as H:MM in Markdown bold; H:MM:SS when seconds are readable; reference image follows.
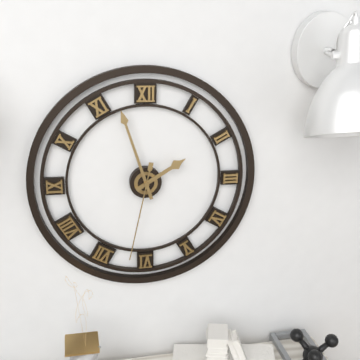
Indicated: **1:57:32**
